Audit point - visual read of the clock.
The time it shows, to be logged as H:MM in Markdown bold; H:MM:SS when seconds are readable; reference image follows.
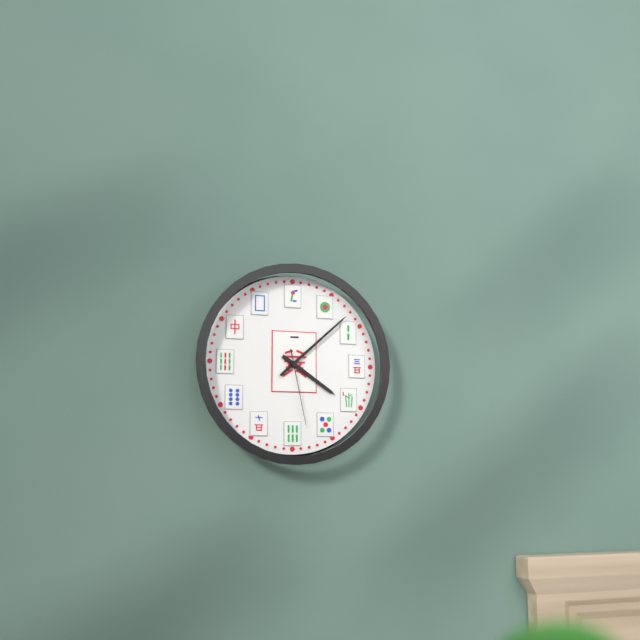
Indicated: **4:08:28**
